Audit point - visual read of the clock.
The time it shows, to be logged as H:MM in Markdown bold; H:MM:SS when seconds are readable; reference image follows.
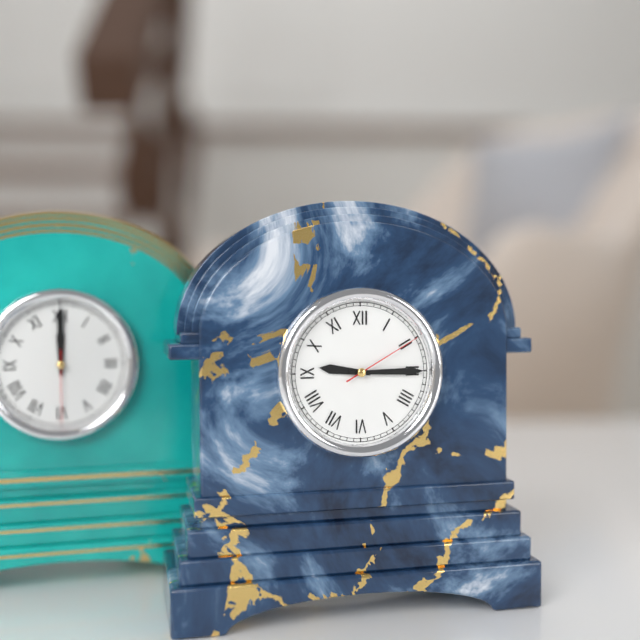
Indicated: **9:15:10**
